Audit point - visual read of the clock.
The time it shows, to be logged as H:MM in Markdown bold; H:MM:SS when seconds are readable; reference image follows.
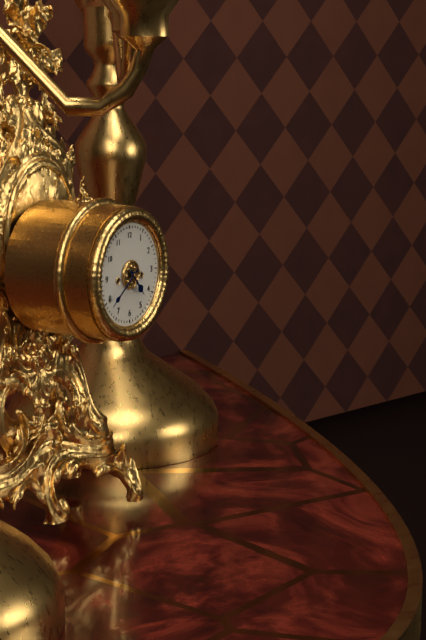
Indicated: **4:39**
